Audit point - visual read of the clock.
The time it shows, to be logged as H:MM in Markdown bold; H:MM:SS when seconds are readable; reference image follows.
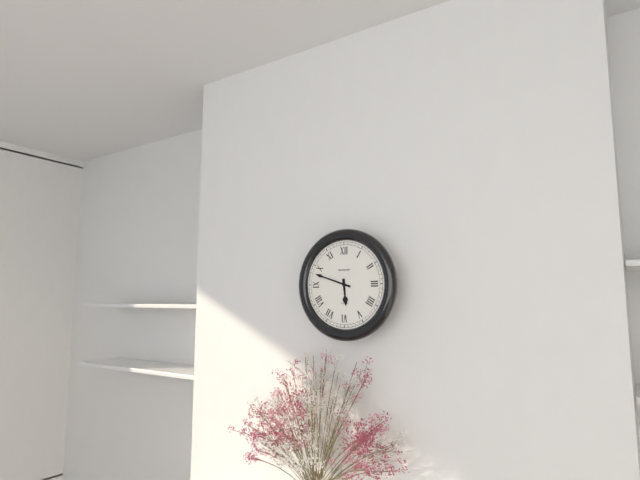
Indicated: **5:48**
